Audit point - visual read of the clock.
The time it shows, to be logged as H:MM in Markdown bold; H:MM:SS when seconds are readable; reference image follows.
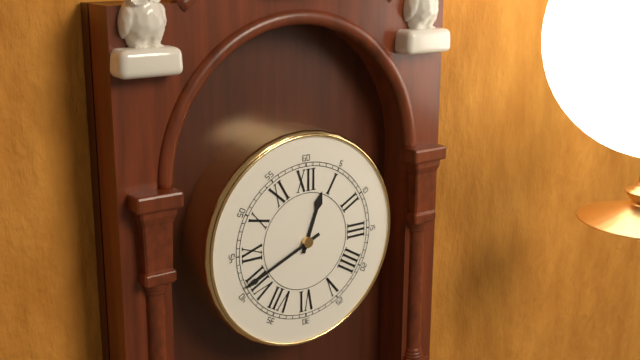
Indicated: **12:41**
